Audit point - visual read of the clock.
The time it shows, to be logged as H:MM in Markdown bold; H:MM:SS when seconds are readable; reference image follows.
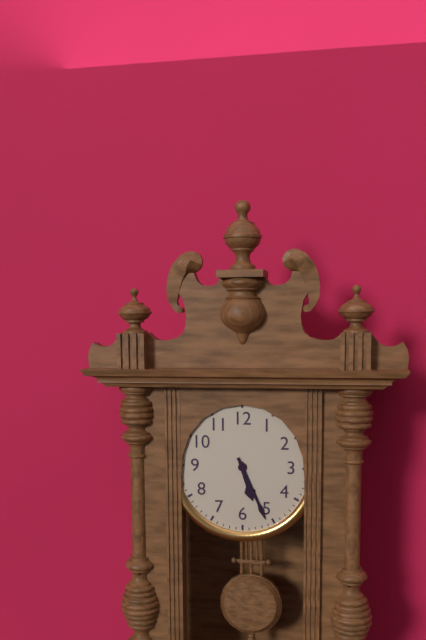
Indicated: **5:26**
